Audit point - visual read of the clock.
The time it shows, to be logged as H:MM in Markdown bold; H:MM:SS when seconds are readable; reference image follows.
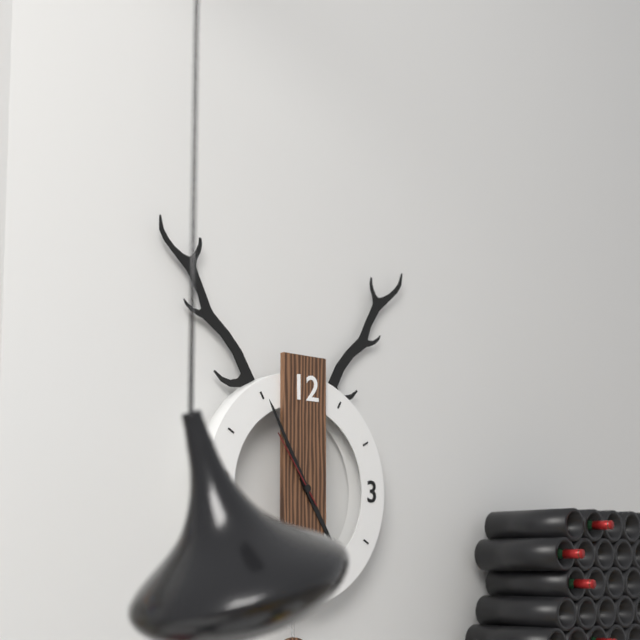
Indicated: **4:55:54**
